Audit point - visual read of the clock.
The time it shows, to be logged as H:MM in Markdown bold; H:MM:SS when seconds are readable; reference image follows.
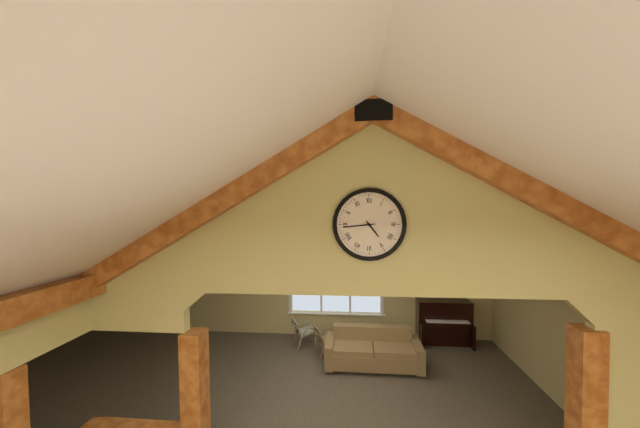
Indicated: **4:44**
